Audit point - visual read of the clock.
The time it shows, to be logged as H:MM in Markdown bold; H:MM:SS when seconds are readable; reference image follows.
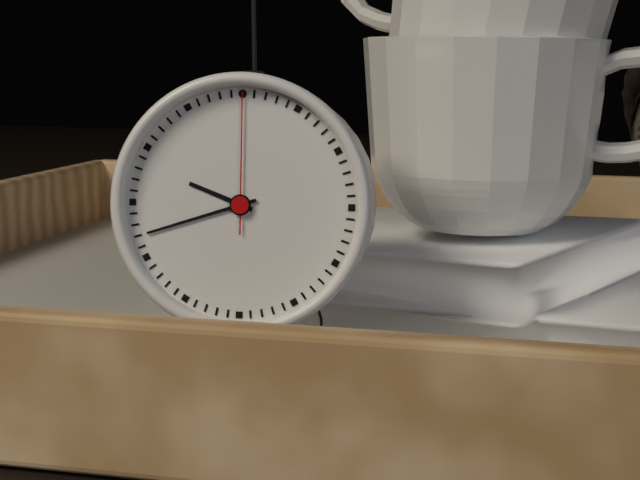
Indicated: **9:42:00**
